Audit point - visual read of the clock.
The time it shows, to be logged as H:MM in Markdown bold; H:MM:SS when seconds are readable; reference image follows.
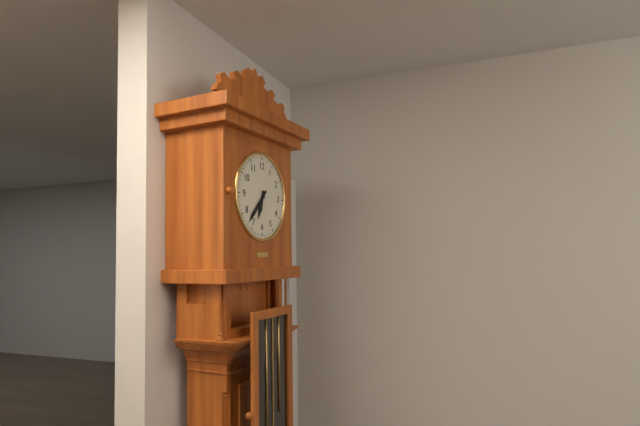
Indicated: **6:37**
